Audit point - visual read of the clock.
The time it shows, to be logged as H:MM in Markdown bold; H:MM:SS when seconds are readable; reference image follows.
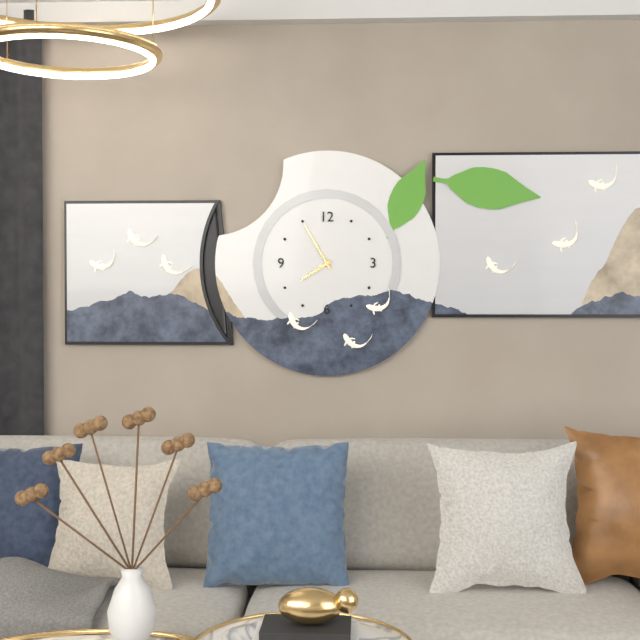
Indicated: **7:55**
